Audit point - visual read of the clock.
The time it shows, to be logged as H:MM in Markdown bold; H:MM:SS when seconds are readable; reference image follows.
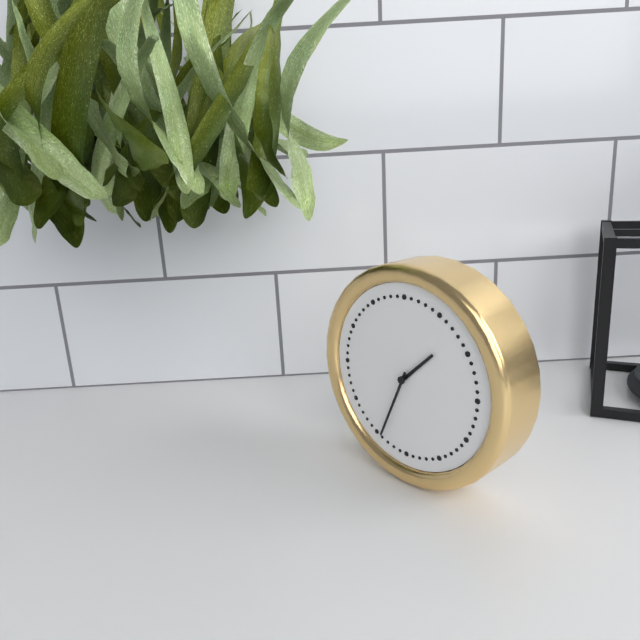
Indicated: **1:34**
